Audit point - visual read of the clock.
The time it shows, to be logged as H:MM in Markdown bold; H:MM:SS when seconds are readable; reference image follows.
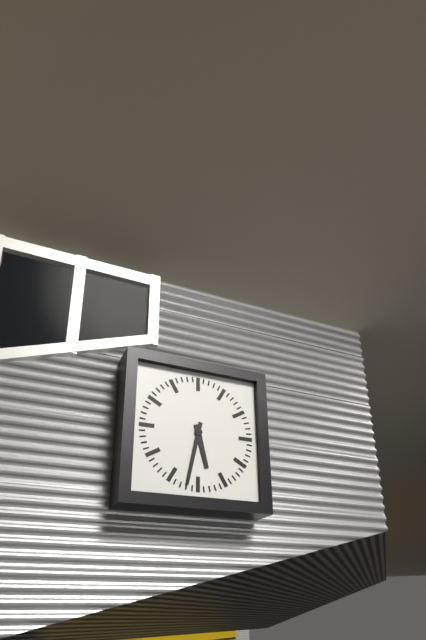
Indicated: **5:32**
